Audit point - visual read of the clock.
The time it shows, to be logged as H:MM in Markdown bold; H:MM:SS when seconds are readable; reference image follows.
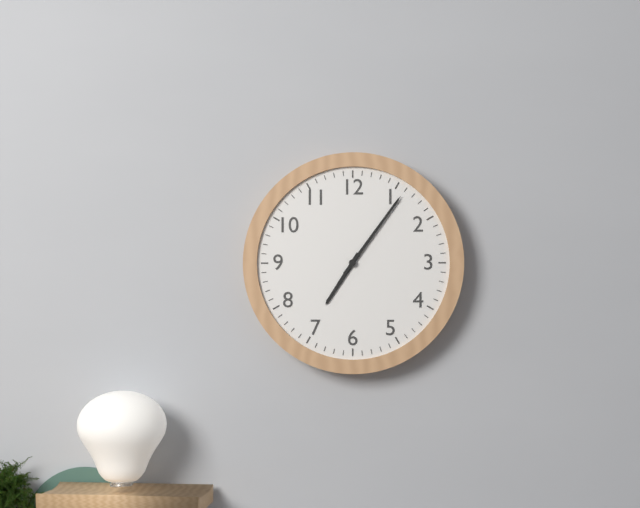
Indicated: **7:06**
